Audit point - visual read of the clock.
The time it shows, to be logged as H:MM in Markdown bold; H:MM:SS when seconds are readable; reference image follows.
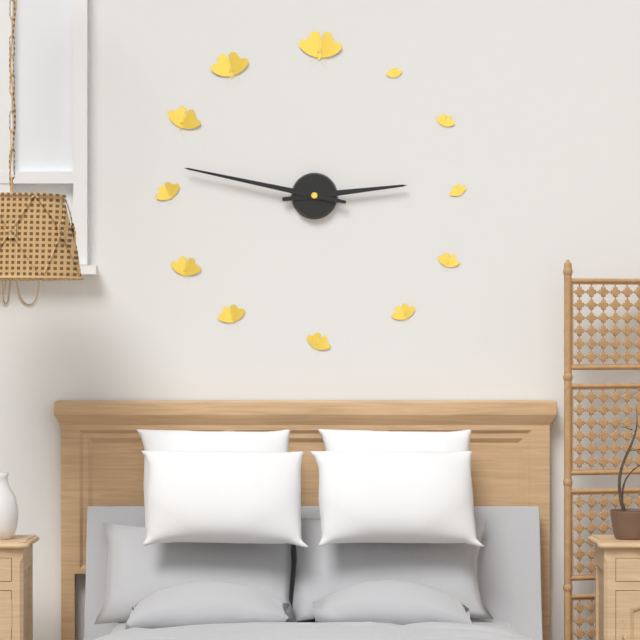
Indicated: **2:47**
